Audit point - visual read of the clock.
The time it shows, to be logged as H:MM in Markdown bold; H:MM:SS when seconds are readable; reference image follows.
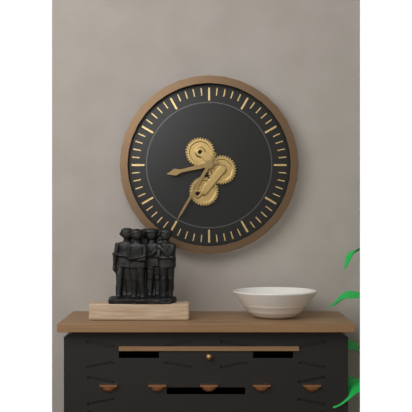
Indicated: **8:35**
